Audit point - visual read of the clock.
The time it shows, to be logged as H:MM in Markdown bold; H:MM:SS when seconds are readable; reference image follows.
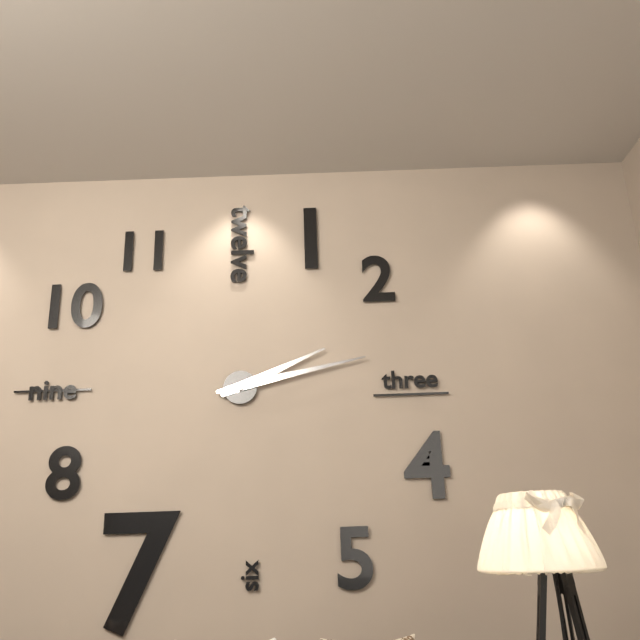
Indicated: **2:13**
